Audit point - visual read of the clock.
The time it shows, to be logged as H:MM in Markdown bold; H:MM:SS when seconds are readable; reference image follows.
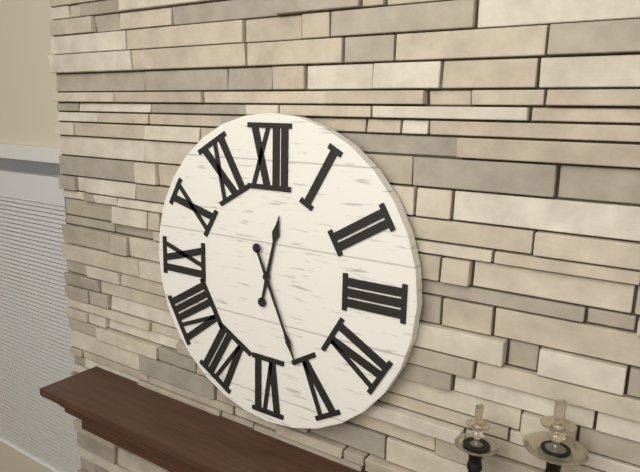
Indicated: **12:26**
